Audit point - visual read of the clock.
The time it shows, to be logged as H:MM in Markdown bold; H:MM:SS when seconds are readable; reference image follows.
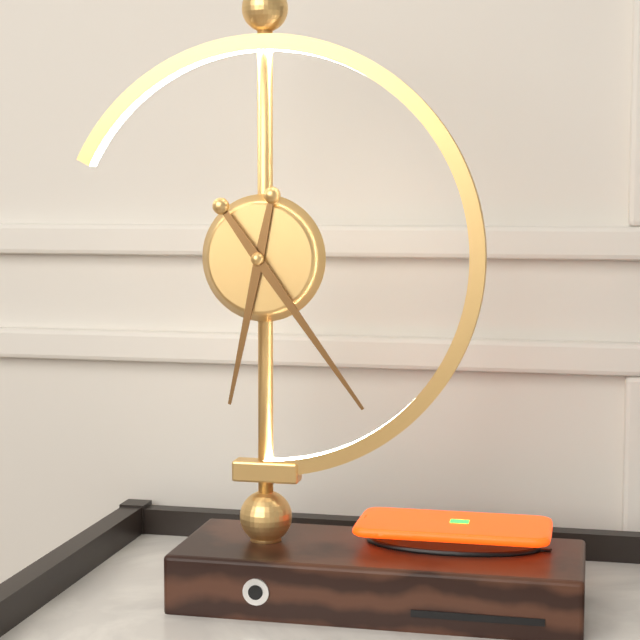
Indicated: **6:24**
